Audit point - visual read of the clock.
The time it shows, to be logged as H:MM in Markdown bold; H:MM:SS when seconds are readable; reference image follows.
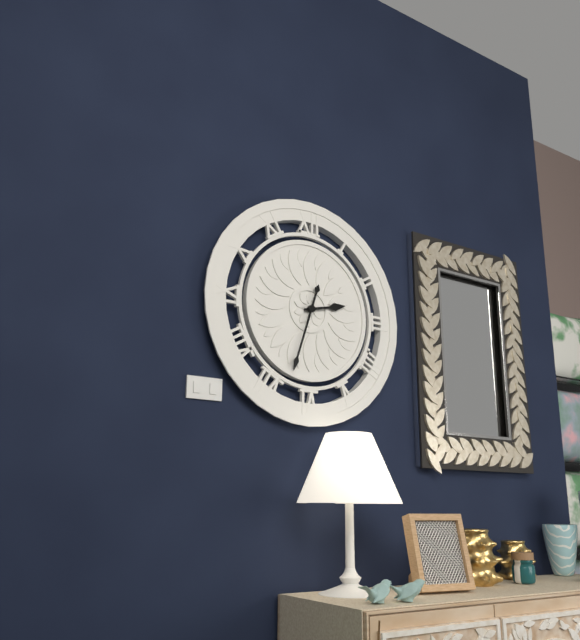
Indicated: **2:33**
